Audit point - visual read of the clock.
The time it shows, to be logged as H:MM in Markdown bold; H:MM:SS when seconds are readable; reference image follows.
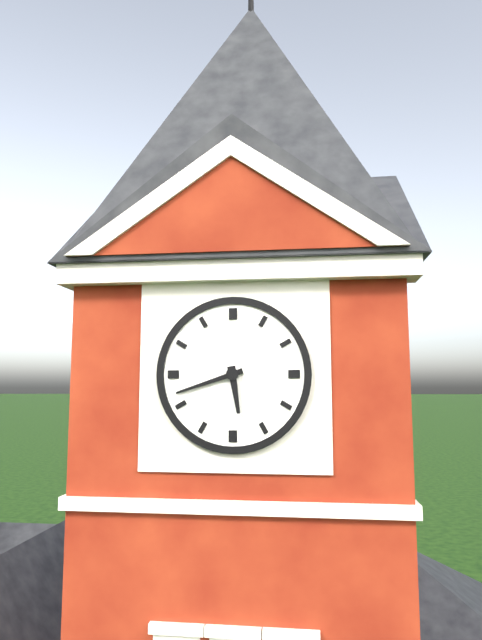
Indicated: **5:42**
